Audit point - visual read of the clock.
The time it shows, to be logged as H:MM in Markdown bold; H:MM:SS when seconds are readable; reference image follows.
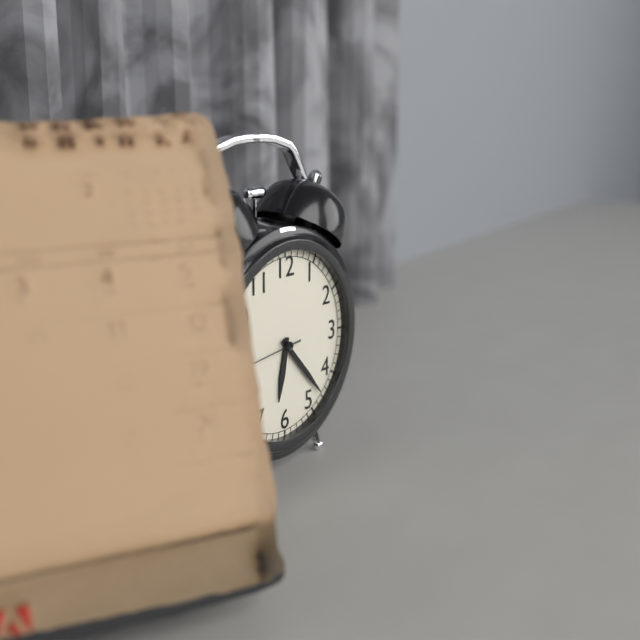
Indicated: **6:23**
